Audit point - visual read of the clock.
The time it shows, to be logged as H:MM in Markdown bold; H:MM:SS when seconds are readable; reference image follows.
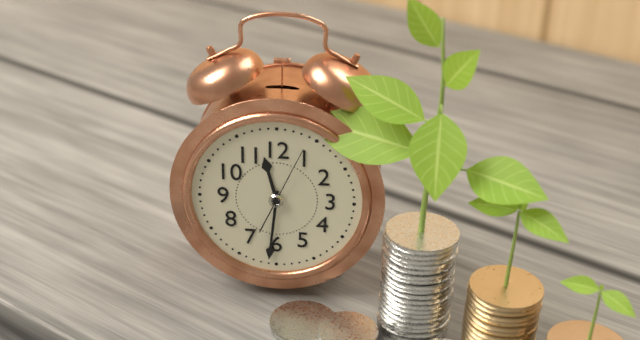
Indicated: **11:31:04**
